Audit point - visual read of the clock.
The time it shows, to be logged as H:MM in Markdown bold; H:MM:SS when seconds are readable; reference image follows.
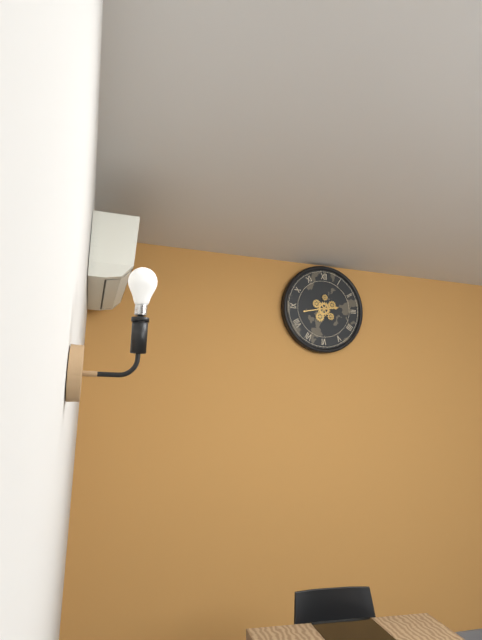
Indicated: **2:43**
